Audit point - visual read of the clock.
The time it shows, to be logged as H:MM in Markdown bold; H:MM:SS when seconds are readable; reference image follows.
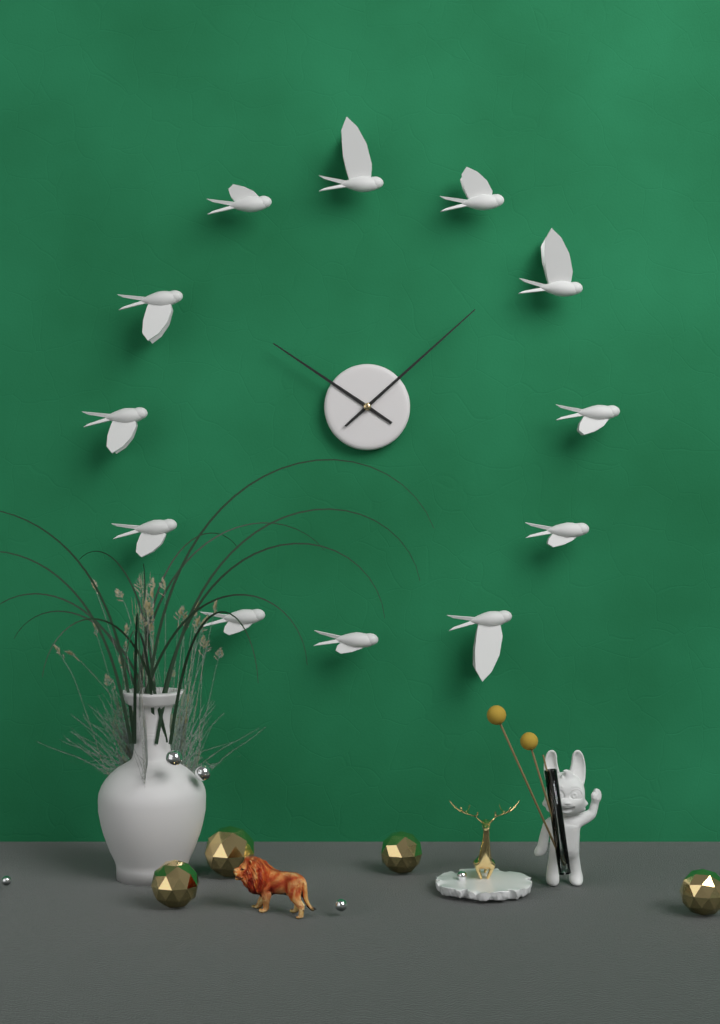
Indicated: **10:08**
